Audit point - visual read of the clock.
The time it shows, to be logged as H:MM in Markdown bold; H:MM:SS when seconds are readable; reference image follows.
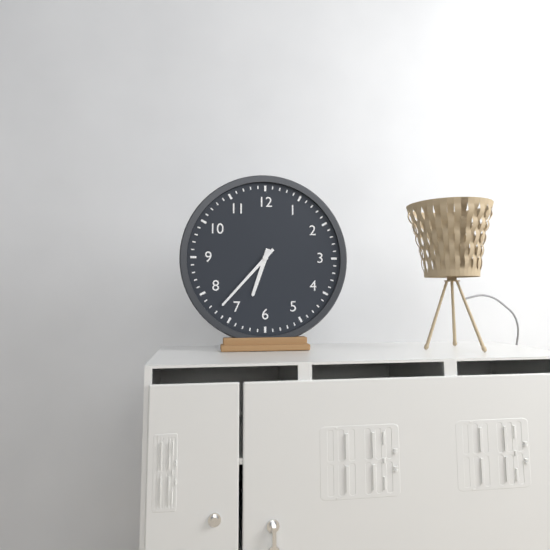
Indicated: **6:37**
